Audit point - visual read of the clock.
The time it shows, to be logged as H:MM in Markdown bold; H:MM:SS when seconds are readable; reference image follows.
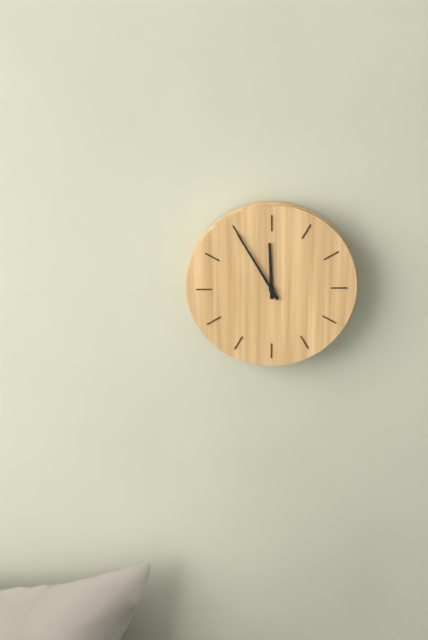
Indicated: **11:55**
